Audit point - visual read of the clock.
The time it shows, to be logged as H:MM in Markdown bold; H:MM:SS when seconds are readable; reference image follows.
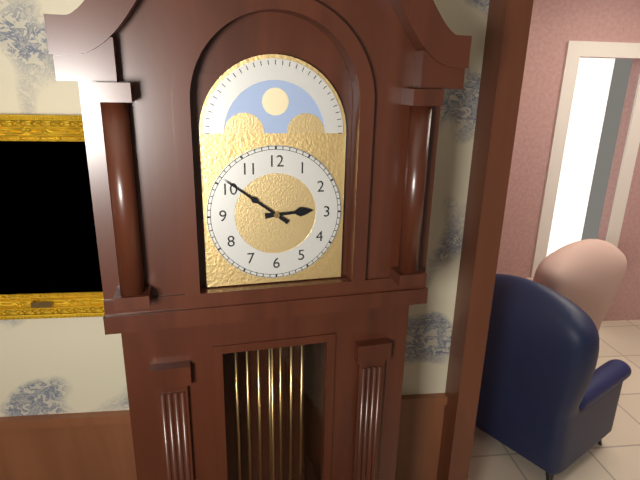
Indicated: **2:51**
